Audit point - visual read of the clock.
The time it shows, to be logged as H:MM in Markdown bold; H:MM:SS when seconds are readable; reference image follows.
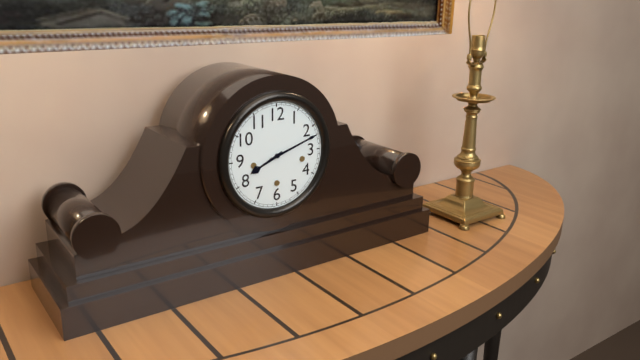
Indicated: **8:12**
